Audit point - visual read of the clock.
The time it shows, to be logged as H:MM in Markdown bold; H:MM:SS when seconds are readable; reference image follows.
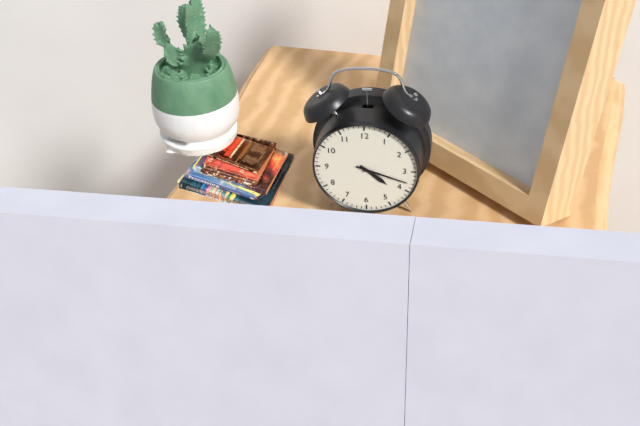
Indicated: **4:18**
